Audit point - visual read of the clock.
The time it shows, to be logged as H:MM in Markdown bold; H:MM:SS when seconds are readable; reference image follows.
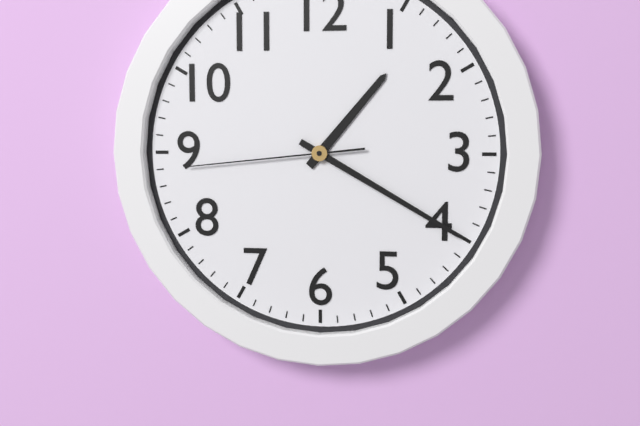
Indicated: **1:20:44**
